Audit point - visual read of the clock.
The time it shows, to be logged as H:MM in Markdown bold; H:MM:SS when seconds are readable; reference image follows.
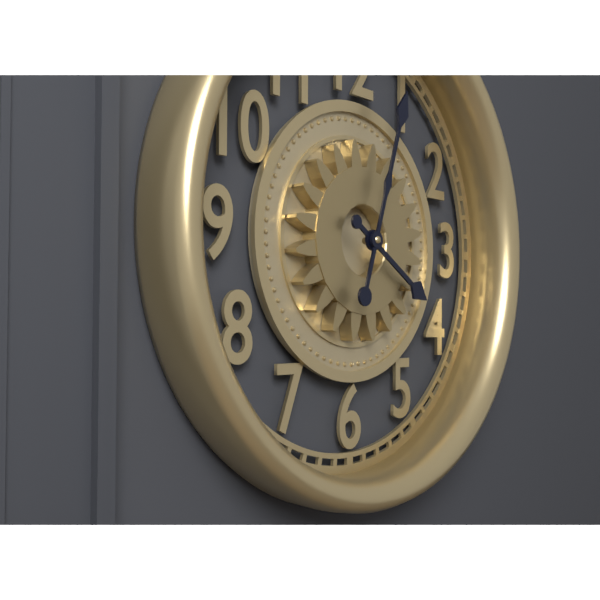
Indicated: **4:03**
